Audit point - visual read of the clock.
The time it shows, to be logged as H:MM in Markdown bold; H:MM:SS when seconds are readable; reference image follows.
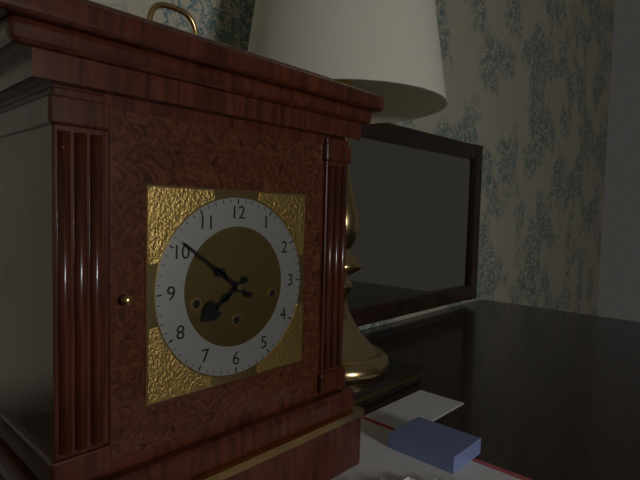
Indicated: **7:51**
